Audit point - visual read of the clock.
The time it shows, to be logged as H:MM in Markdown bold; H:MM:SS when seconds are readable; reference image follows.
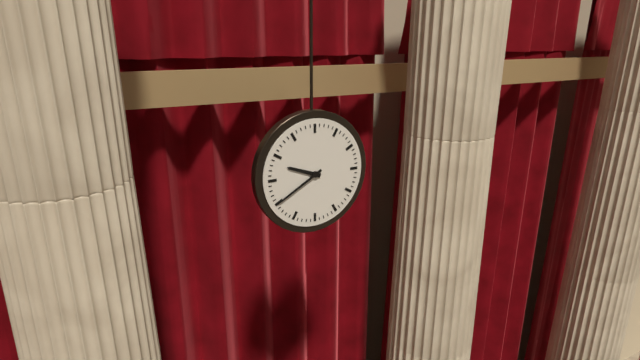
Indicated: **9:40**
